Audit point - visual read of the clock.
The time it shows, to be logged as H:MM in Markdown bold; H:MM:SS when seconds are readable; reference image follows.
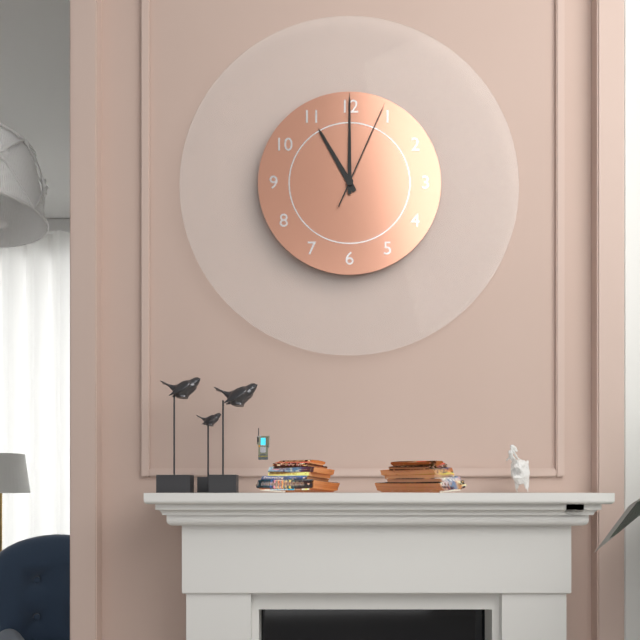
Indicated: **11:00:04**
